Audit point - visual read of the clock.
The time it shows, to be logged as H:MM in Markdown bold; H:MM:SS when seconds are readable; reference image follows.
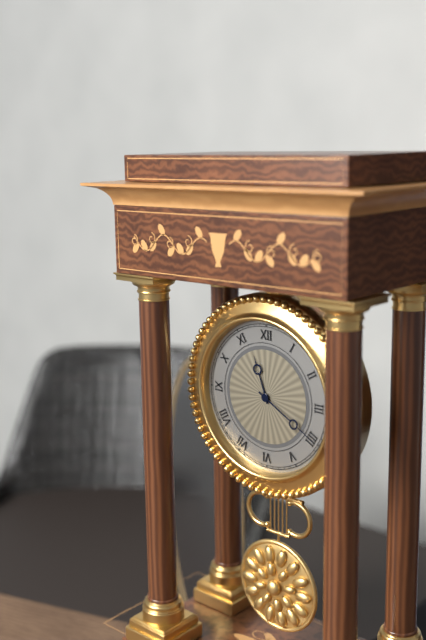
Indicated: **11:20**
